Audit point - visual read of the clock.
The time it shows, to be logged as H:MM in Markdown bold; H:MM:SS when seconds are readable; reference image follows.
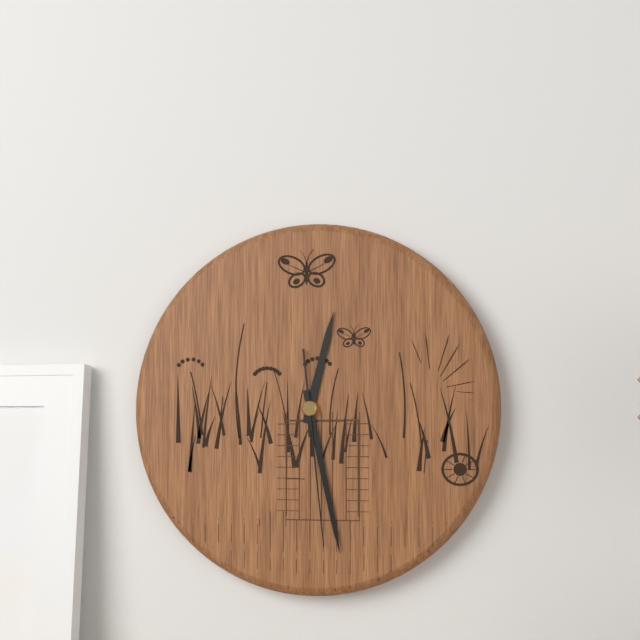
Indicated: **12:28:29**
